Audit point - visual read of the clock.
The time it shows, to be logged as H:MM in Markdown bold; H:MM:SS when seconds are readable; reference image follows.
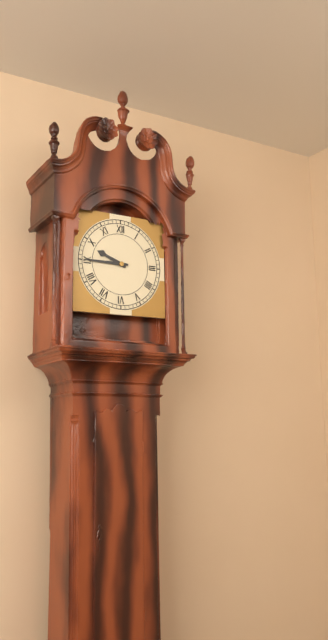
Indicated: **9:45**
